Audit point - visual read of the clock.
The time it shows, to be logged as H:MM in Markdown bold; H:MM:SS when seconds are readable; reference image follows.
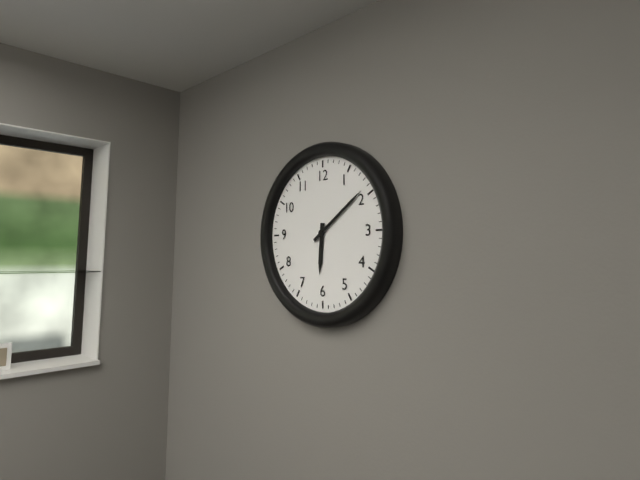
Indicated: **6:09**
